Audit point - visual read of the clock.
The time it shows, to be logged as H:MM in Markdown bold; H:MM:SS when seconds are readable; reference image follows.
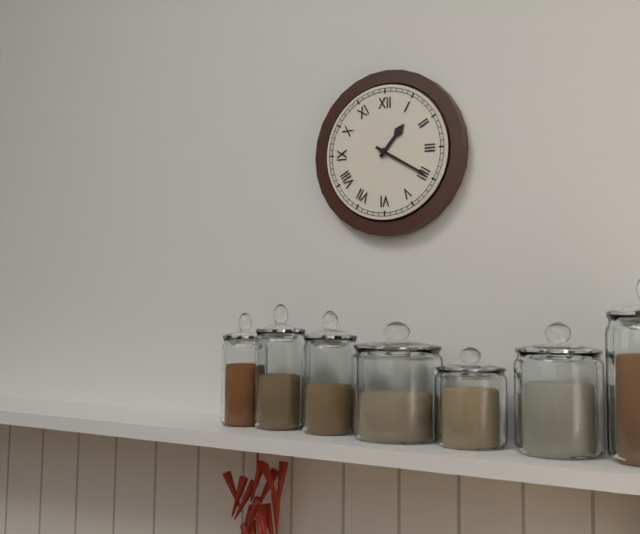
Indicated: **1:20**
